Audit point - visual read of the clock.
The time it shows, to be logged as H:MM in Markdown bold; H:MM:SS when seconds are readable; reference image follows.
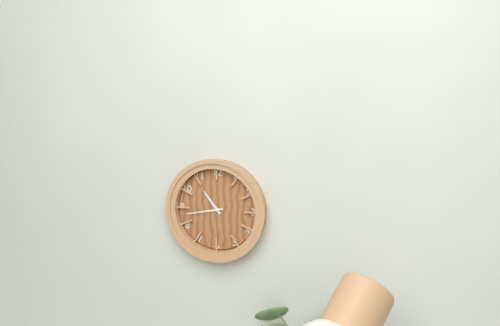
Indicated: **10:43**
